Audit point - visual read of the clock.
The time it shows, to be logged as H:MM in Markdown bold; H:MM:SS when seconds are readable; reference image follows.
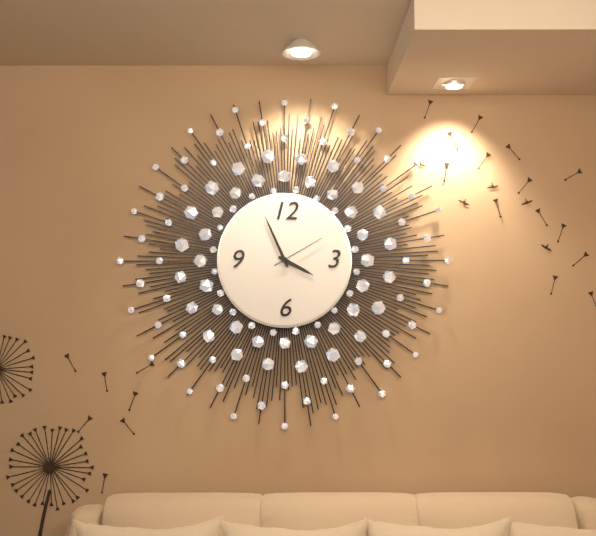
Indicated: **3:56:10**
